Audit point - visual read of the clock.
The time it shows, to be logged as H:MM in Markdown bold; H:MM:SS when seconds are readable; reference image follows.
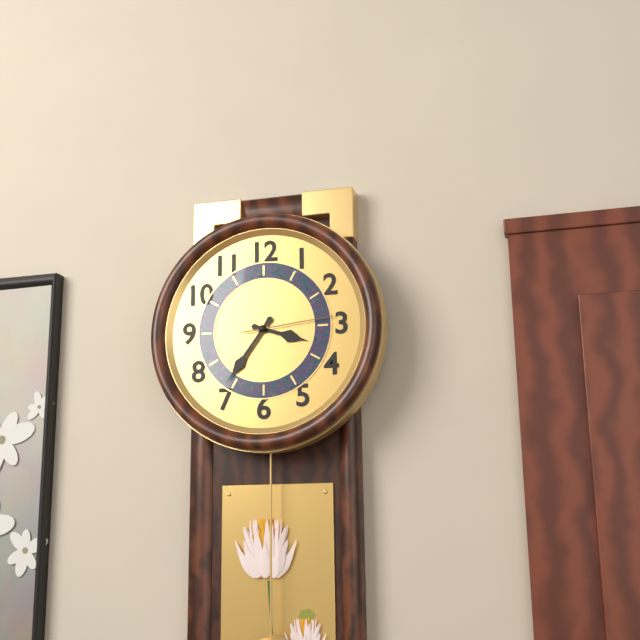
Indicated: **3:36:14**
